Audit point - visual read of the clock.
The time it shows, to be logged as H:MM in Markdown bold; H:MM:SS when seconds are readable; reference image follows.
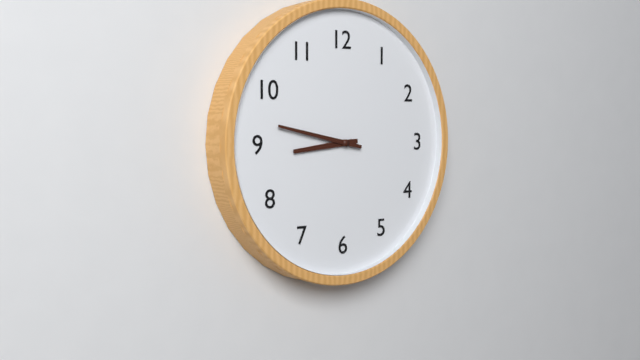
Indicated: **8:47**
